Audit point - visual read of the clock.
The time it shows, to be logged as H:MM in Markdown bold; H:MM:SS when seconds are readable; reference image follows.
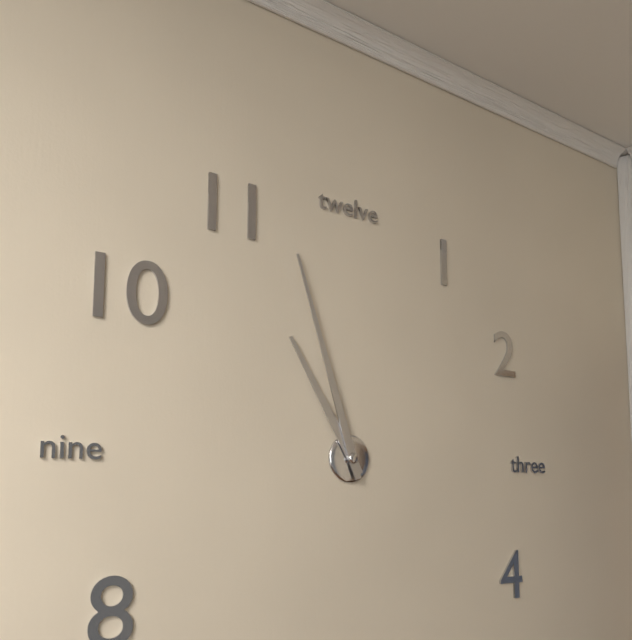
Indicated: **10:57**
